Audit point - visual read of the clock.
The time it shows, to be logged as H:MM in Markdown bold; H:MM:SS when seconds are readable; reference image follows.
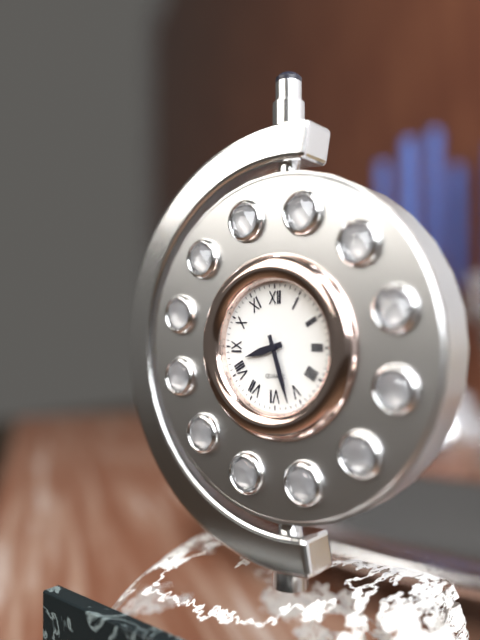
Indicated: **8:27**
